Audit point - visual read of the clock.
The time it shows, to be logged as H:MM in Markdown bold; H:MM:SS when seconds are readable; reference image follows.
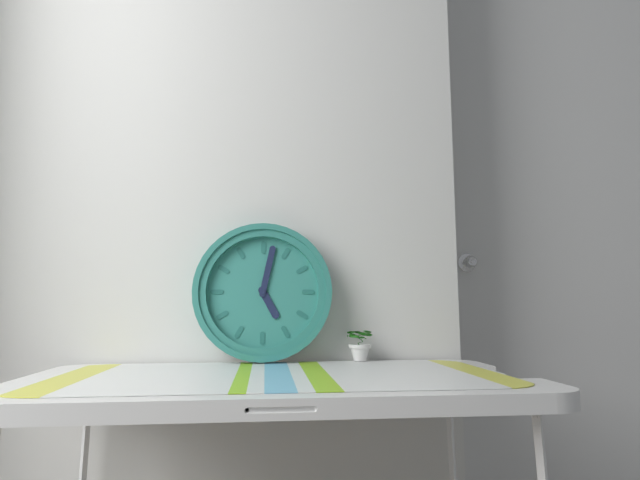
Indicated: **5:02**
